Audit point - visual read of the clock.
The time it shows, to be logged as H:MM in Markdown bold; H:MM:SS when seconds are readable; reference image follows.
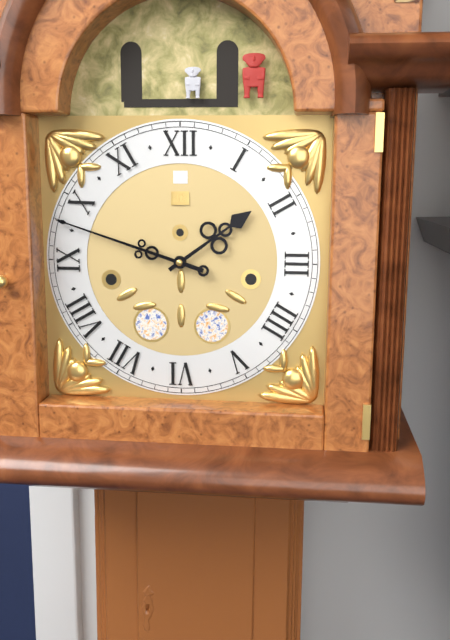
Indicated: **1:48**
